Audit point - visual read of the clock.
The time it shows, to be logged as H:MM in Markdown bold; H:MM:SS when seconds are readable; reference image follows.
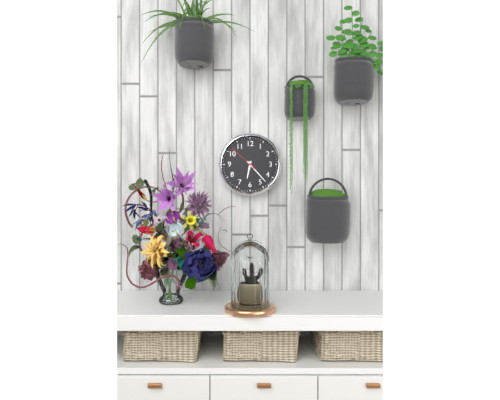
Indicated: **6:23**
